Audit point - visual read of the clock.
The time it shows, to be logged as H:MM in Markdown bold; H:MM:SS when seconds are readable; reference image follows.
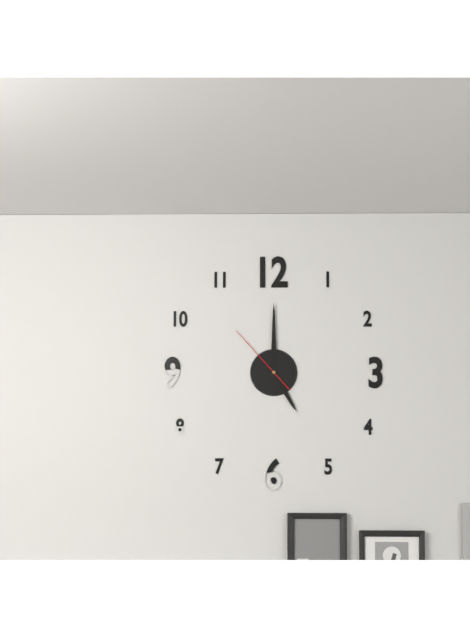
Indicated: **5:00:53**
